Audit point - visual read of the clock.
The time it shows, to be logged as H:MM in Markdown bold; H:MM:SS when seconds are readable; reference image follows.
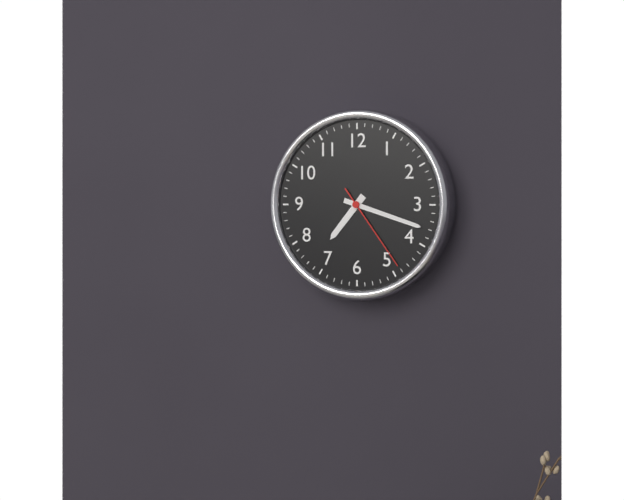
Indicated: **7:18:24**
